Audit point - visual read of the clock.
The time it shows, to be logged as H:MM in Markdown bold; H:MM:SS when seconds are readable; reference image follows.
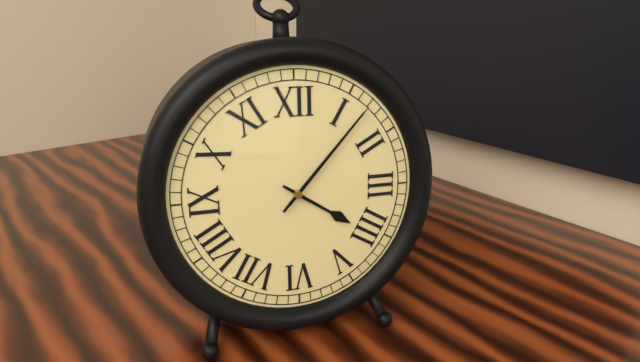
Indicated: **4:07**
